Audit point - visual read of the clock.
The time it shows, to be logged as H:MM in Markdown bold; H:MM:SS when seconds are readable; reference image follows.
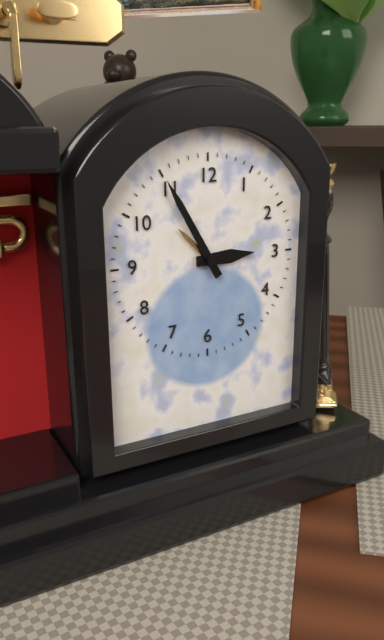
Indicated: **2:55**
